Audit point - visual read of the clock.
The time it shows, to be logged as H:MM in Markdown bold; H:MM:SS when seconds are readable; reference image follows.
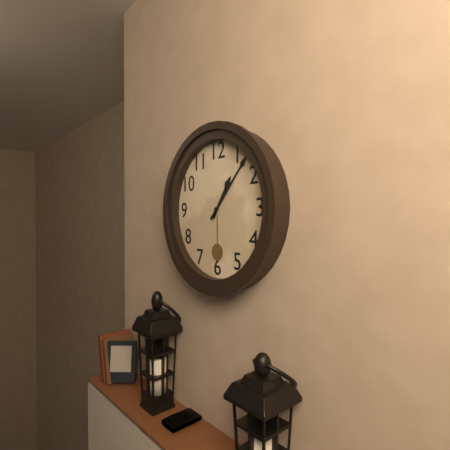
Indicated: **1:07**
